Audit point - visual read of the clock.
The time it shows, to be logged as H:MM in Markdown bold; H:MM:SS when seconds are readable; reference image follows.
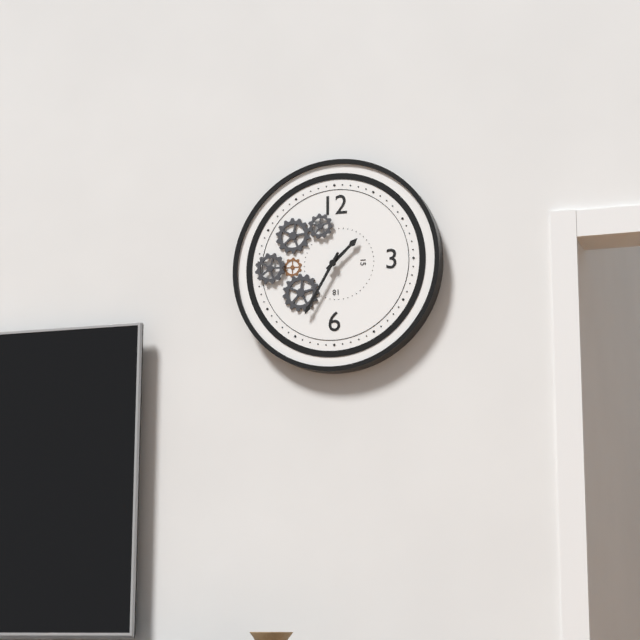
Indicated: **1:35**
